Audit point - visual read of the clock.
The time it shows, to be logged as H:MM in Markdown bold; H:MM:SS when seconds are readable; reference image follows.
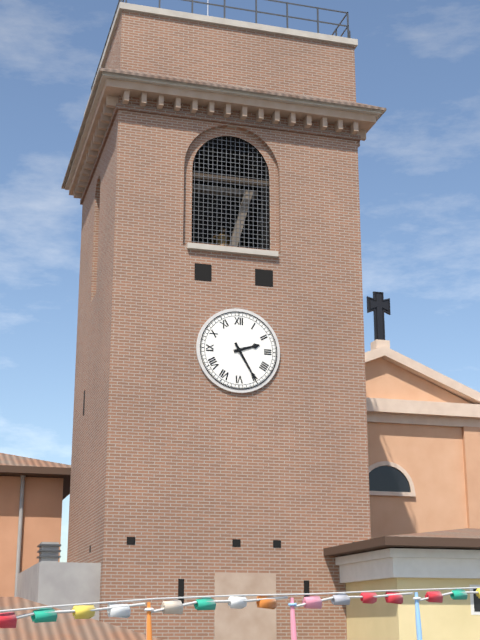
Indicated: **2:25**
